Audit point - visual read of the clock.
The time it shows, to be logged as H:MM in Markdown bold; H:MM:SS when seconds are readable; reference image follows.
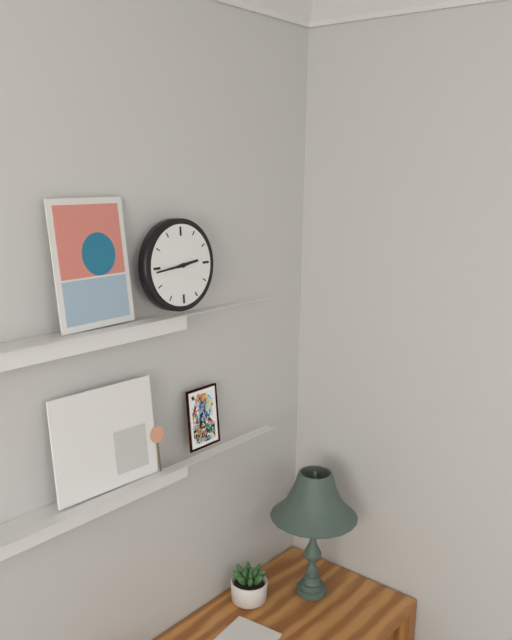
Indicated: **2:44**
